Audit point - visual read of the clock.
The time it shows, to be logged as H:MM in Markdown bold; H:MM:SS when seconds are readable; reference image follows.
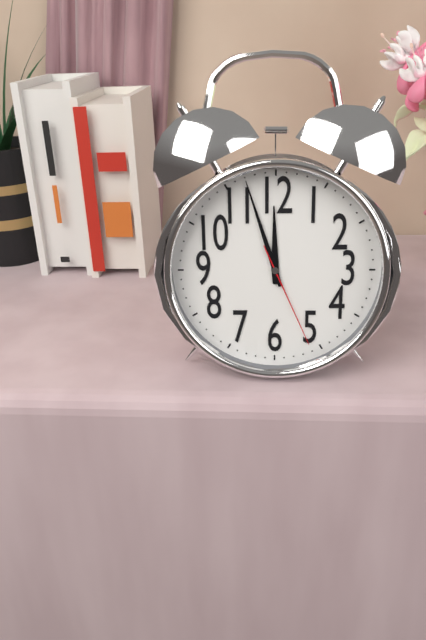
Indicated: **11:57:26**
